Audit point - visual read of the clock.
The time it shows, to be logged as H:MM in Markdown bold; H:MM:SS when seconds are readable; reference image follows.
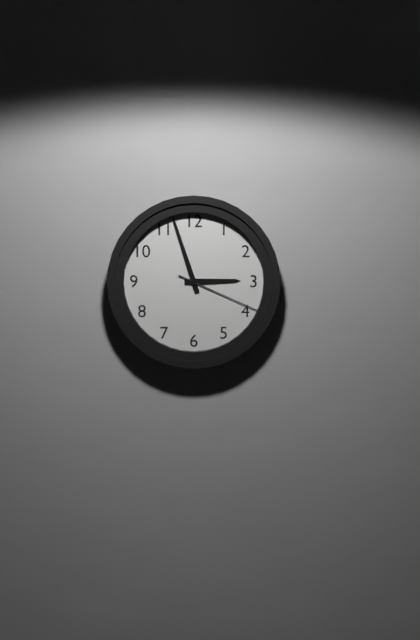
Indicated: **2:57:19**
